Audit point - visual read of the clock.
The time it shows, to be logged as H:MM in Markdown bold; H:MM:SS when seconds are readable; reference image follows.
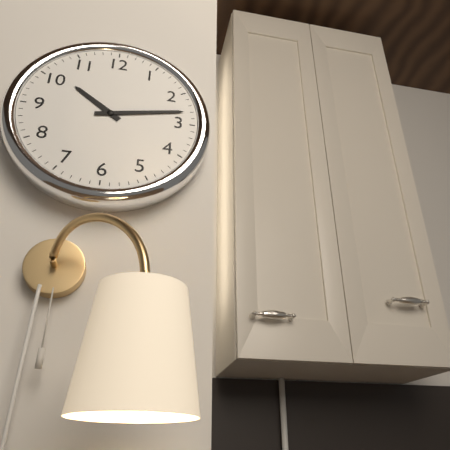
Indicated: **10:13**
